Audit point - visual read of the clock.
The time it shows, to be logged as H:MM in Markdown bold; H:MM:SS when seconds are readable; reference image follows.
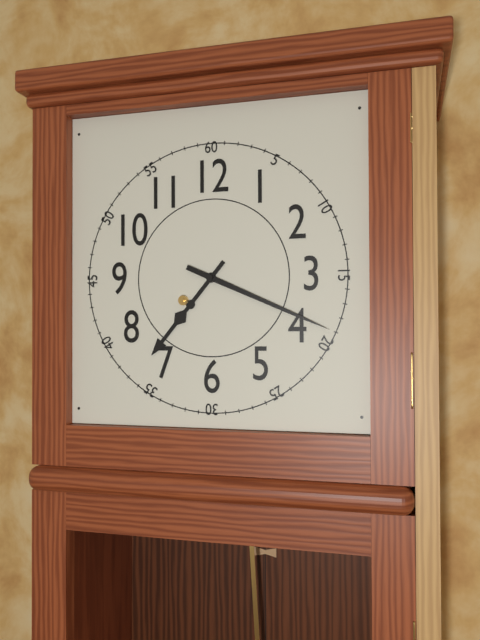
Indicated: **7:19**
